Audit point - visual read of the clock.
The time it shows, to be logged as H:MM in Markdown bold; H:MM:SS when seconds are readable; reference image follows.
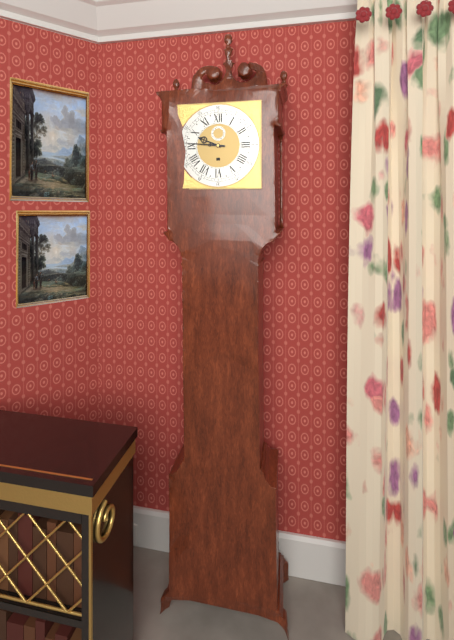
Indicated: **9:46**
